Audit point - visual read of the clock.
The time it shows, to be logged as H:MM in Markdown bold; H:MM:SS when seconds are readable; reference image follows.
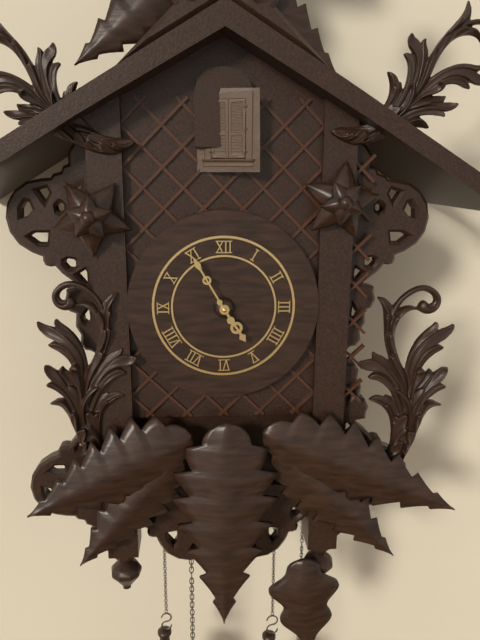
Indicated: **4:55**
